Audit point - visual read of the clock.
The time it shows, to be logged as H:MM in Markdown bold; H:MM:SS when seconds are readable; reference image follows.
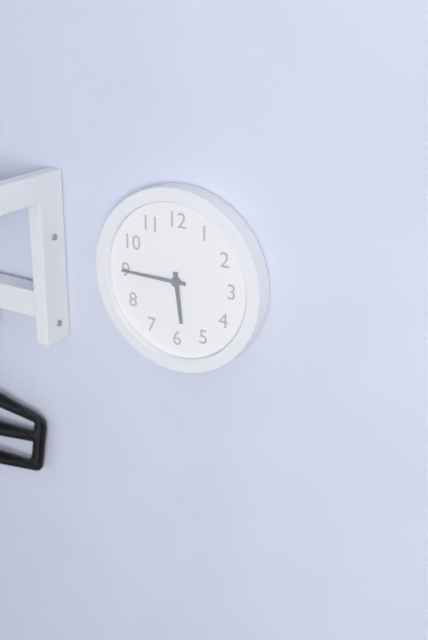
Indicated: **5:45**
